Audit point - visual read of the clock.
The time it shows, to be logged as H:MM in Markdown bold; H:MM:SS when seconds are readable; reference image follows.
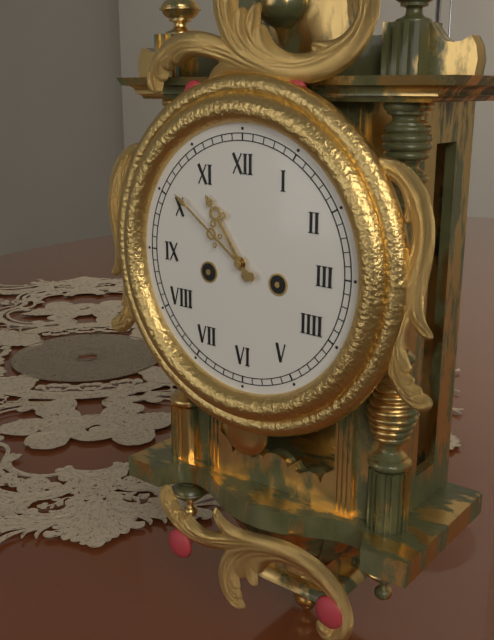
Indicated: **10:51**
